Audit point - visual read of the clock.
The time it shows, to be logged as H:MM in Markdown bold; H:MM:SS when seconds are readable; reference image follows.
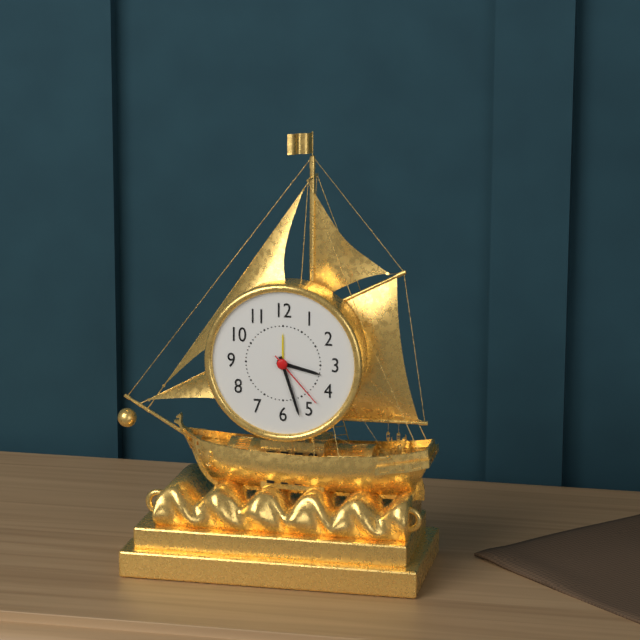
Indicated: **3:27:23**
